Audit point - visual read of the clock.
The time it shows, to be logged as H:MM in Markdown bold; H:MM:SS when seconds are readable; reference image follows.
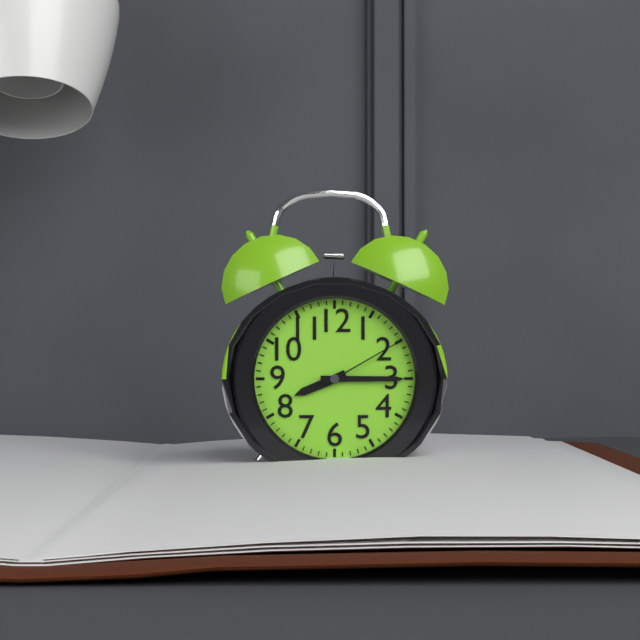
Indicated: **8:15:10**
